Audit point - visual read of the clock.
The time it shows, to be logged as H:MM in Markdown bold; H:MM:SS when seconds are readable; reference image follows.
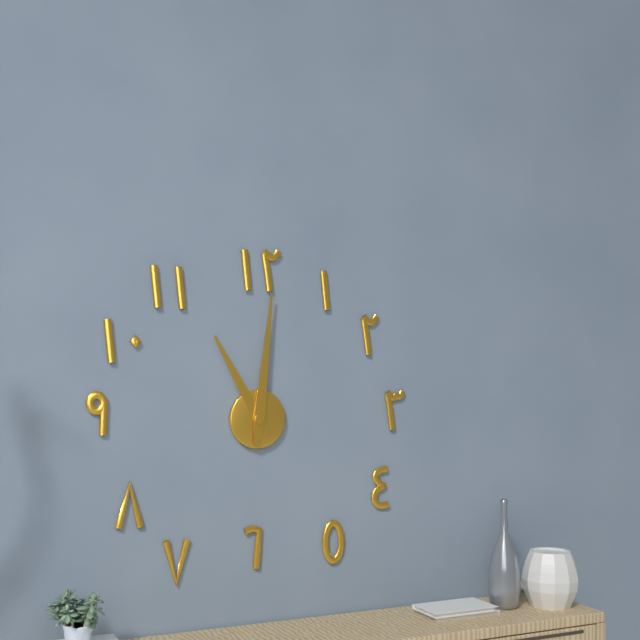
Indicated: **11:01**
